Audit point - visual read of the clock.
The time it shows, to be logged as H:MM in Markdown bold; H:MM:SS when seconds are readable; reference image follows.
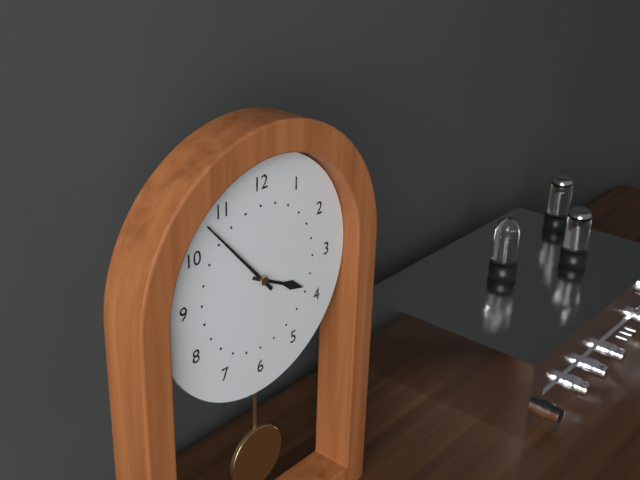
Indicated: **3:53**
